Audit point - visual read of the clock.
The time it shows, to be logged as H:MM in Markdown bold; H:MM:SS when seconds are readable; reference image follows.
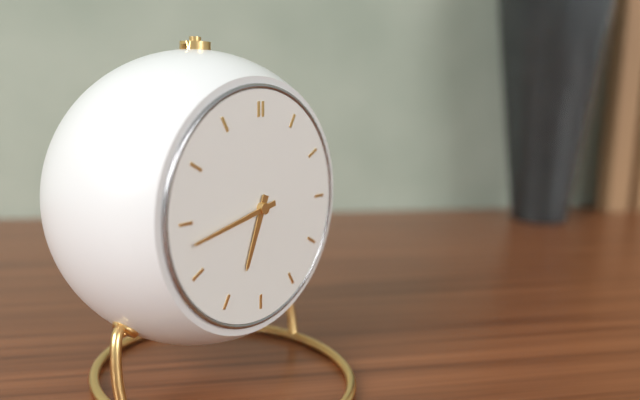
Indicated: **6:43**
